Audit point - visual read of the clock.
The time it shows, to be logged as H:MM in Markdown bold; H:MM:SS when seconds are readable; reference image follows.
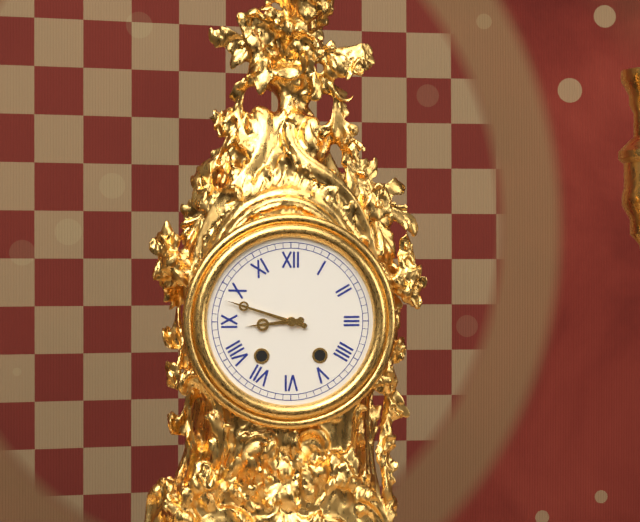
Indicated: **8:48**
